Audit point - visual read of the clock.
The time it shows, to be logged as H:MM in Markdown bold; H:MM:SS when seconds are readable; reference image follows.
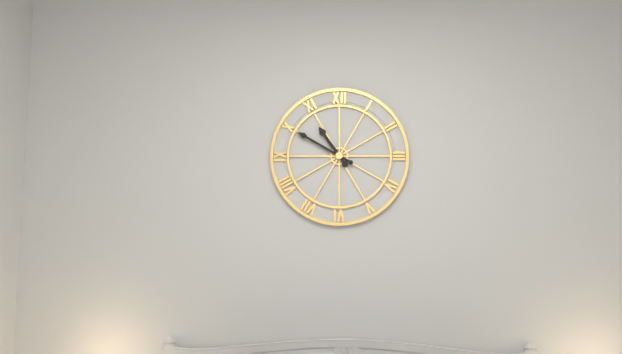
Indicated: **10:50**
